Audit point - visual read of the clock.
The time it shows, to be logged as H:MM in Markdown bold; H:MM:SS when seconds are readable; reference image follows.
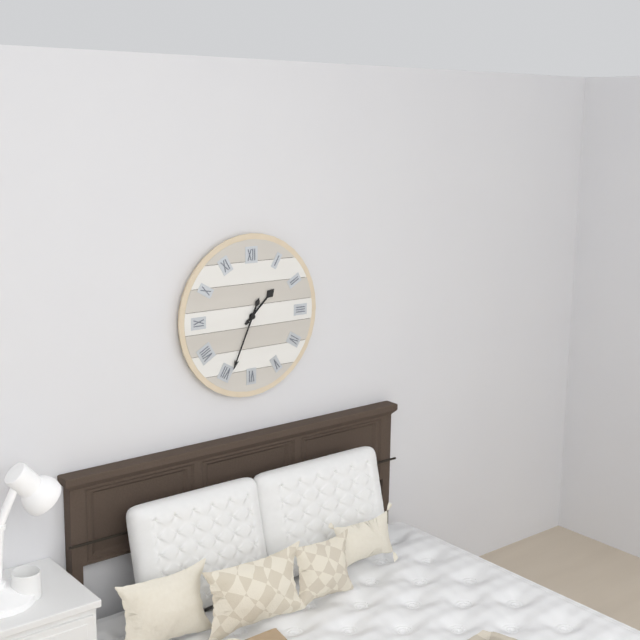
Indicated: **1:34**
